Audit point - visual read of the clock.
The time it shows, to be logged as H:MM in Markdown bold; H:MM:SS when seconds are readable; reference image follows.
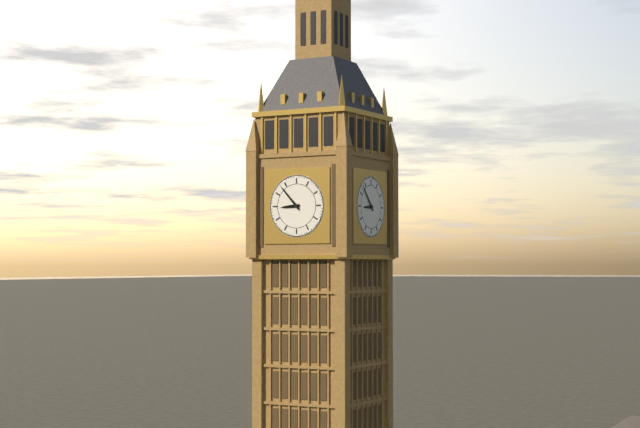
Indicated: **8:53**
